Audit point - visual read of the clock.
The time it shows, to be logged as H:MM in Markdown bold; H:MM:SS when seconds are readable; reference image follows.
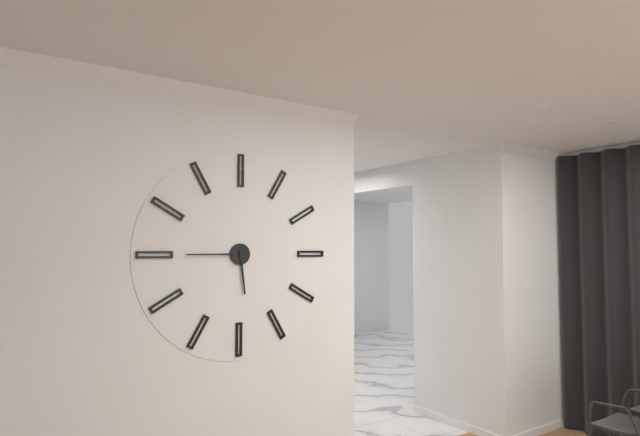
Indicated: **5:45**
